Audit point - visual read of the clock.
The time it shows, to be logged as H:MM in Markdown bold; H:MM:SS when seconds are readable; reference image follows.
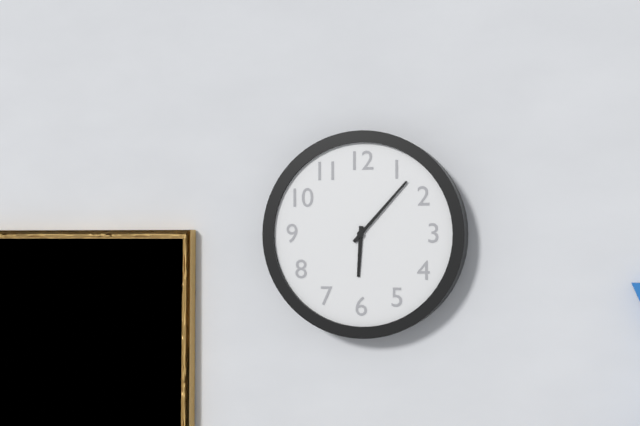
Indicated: **6:07**
